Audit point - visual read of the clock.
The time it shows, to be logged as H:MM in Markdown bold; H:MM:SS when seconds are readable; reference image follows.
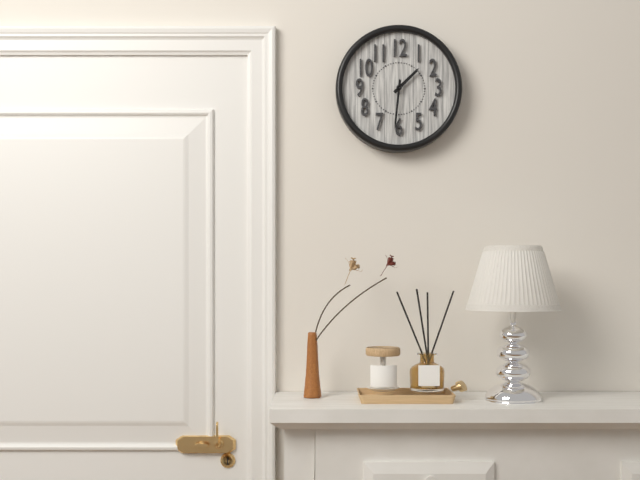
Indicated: **1:31**
